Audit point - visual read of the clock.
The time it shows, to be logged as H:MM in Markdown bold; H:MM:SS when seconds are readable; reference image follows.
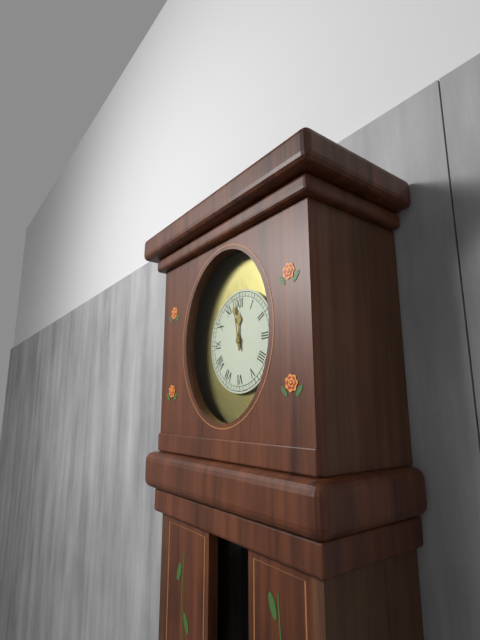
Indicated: **11:58**
